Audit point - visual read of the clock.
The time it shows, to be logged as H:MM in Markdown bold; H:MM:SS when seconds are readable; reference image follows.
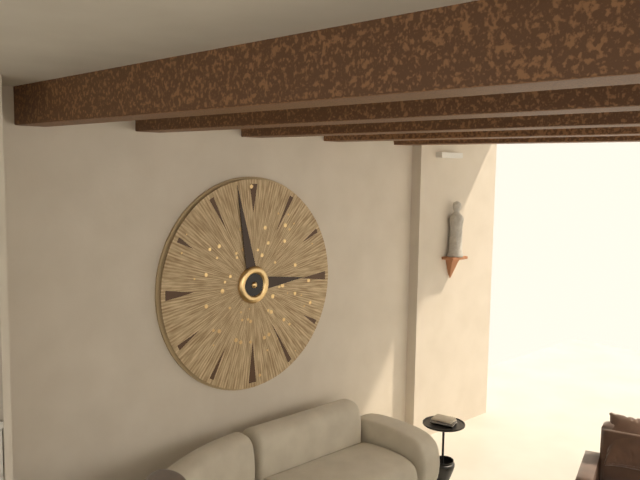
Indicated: **2:58**
